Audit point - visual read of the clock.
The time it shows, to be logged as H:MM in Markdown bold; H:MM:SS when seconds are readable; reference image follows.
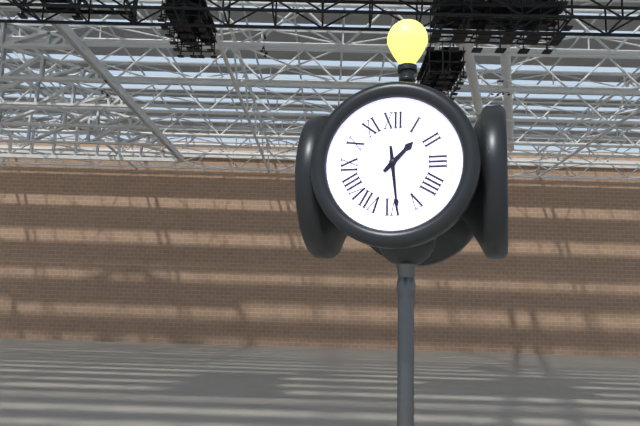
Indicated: **1:29**
